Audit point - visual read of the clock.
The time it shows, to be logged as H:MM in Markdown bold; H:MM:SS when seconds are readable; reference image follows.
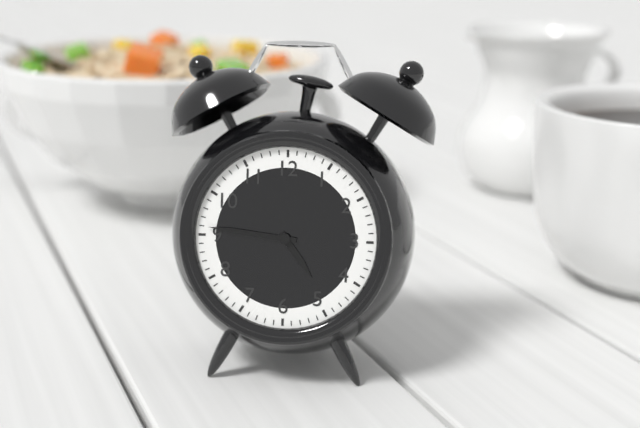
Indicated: **4:46**
